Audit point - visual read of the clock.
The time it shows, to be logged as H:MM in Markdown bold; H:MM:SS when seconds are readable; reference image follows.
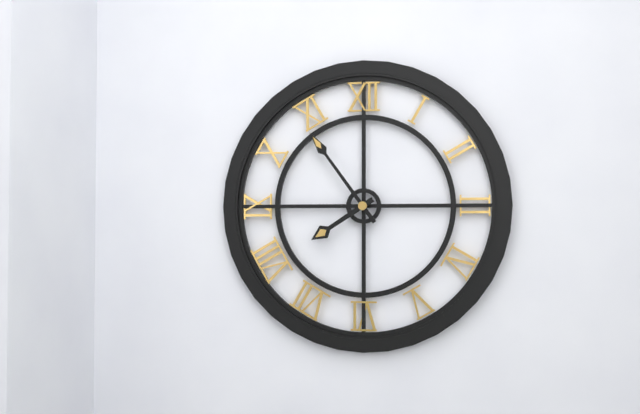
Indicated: **7:54**
